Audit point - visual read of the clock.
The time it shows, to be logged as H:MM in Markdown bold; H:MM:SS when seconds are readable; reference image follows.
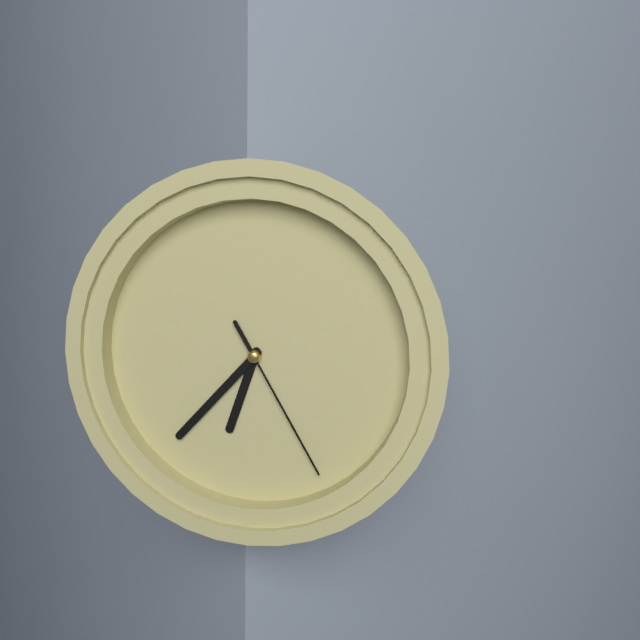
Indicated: **6:37:25**
